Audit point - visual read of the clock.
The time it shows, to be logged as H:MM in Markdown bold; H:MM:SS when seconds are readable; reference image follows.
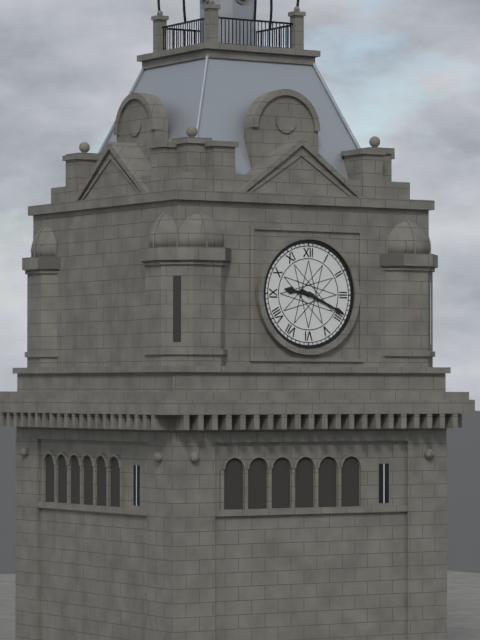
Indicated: **9:19**
